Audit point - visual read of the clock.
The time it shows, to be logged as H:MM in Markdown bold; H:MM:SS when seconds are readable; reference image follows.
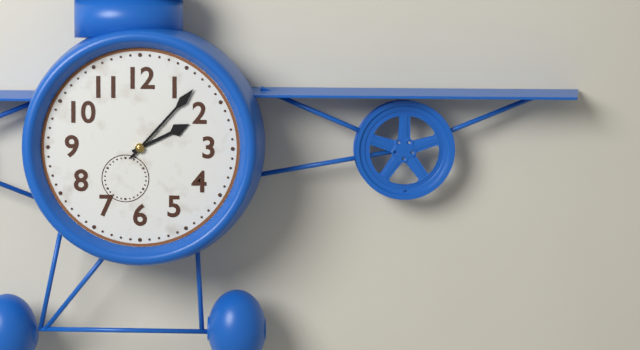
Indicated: **2:07**
